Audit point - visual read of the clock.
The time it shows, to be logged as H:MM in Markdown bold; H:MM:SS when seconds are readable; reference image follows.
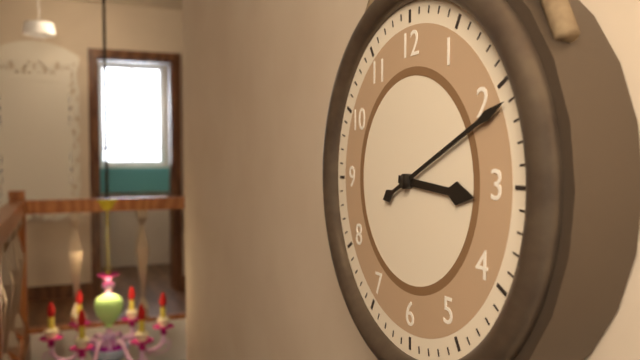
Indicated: **3:11**
